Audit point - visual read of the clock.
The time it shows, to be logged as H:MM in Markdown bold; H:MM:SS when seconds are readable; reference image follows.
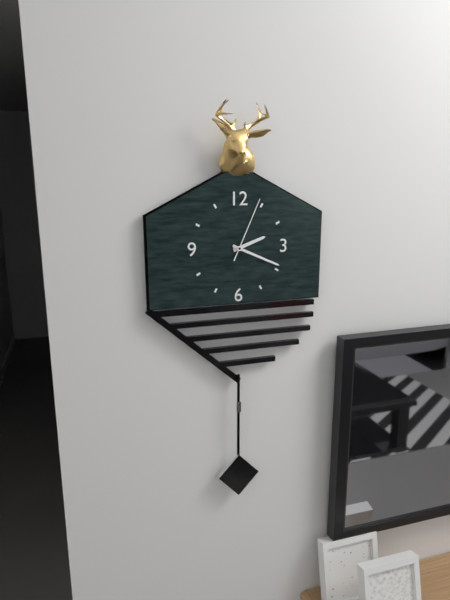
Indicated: **2:19:04**
